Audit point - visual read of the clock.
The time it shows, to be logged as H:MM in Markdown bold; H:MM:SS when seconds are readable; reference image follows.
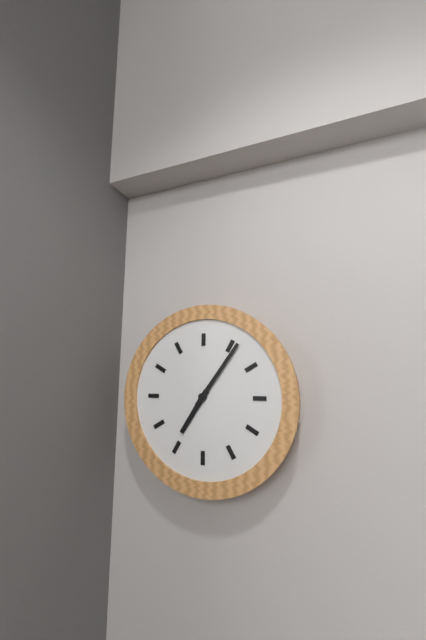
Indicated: **7:06**
